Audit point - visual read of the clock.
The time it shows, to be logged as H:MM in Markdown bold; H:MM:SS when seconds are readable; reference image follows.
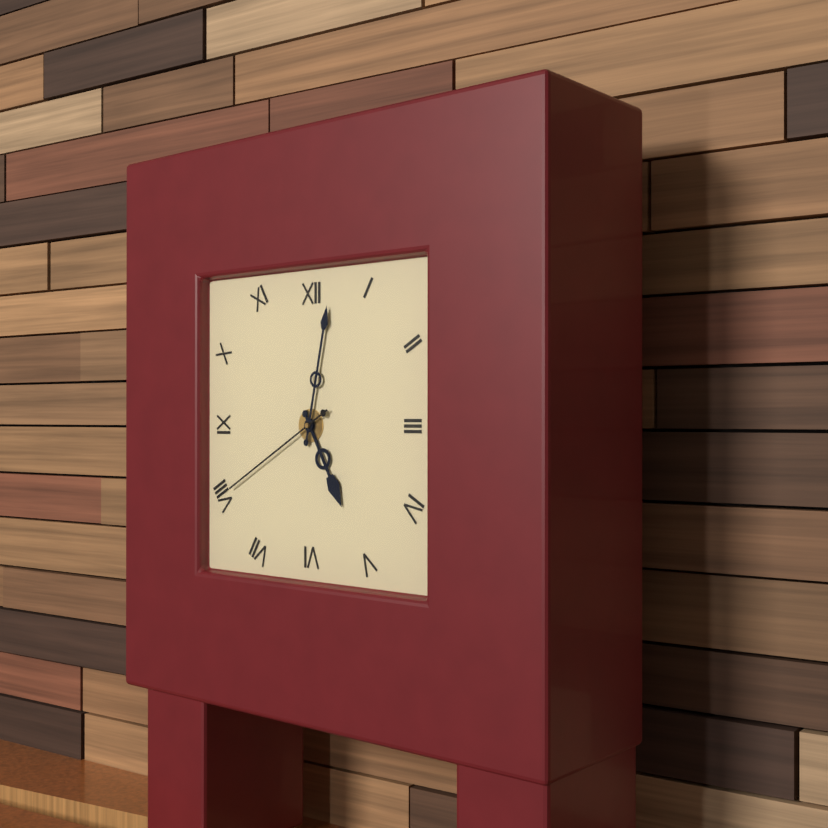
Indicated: **5:02:40**
